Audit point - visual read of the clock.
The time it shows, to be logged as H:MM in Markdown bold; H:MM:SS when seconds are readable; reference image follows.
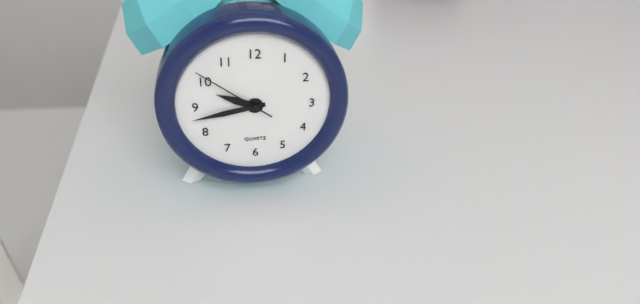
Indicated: **9:43:51**
